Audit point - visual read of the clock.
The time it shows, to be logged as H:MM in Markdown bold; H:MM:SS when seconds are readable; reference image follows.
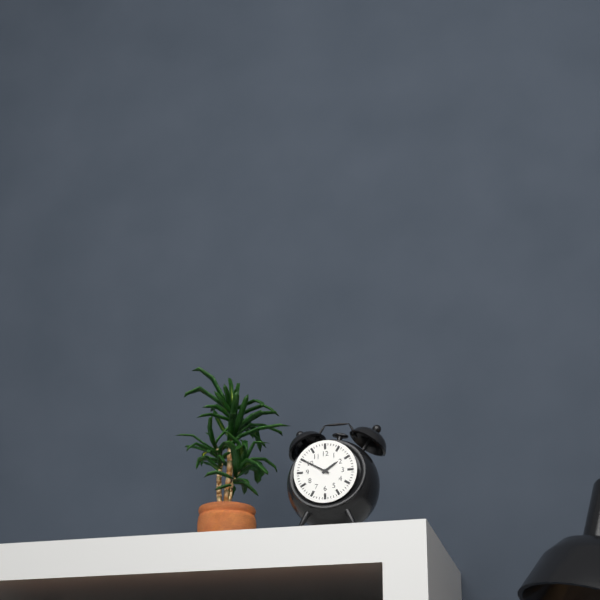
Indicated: **1:50**
